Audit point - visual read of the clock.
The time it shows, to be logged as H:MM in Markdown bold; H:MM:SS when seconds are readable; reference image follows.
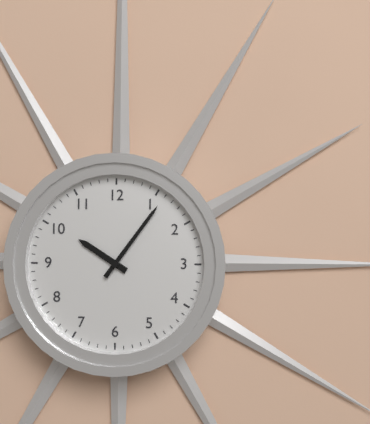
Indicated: **10:06**
